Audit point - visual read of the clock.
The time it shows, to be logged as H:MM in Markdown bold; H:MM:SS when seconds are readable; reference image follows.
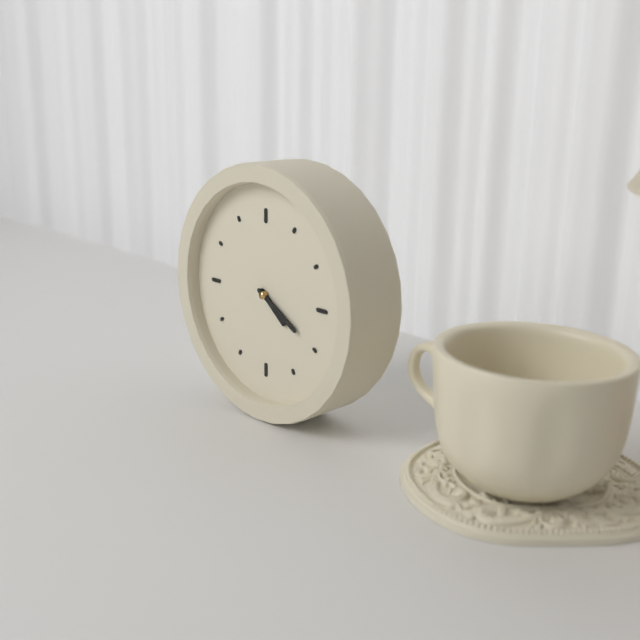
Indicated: **4:20**
